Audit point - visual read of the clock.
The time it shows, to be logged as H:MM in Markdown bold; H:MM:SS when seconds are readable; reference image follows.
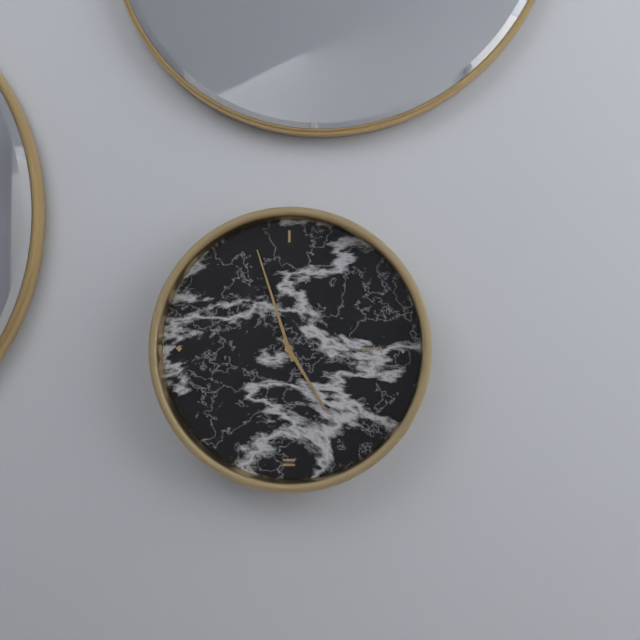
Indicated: **4:57**
